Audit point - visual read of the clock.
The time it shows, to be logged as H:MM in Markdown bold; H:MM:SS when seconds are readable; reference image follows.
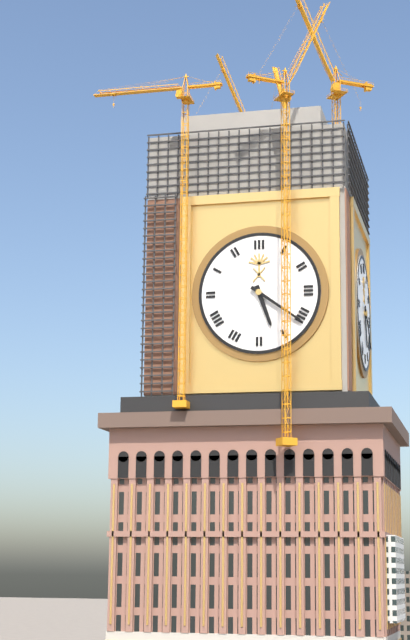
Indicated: **5:21**
